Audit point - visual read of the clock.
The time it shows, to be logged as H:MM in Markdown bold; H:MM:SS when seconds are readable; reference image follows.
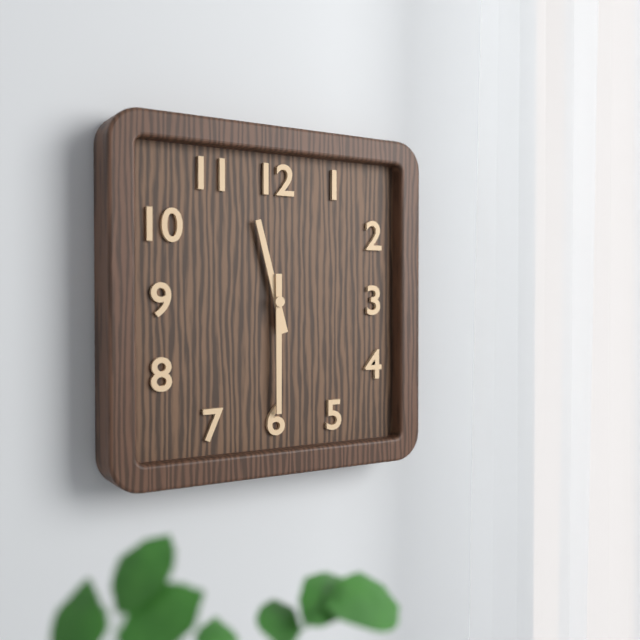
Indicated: **11:30**
